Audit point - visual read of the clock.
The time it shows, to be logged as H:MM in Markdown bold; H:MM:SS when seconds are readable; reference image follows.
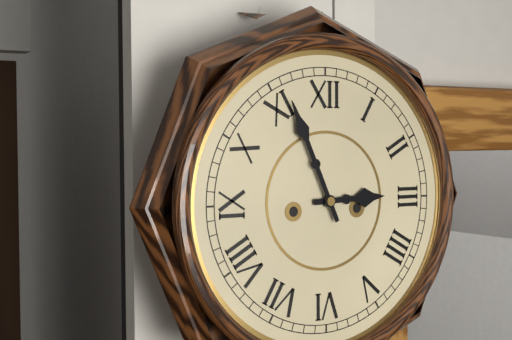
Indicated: **2:56**
